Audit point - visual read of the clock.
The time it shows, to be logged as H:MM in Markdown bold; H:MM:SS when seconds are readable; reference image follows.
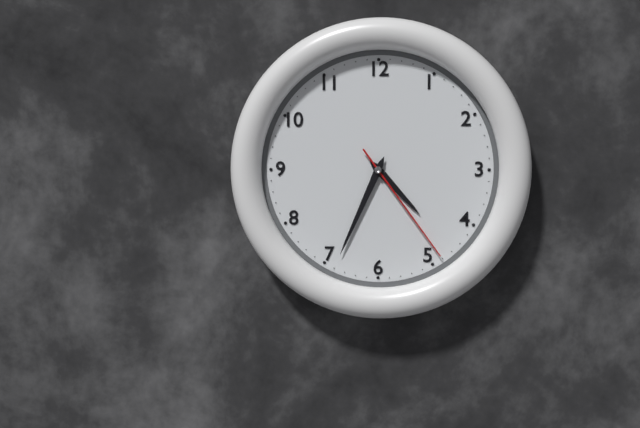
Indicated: **4:34:24**
